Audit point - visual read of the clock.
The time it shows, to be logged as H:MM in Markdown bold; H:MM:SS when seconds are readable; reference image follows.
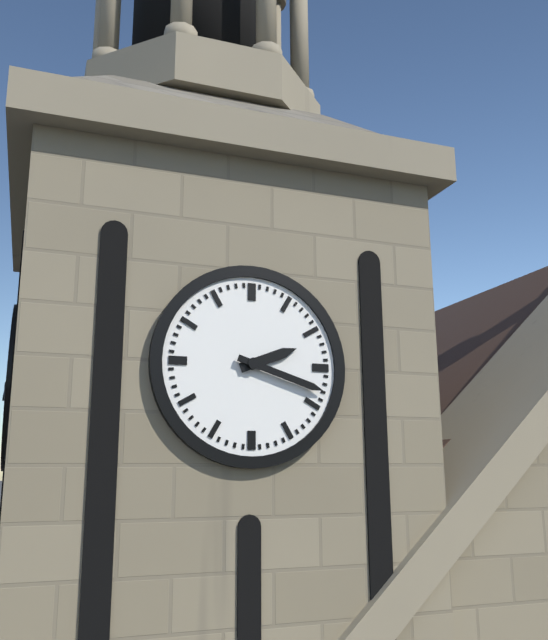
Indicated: **2:18**
